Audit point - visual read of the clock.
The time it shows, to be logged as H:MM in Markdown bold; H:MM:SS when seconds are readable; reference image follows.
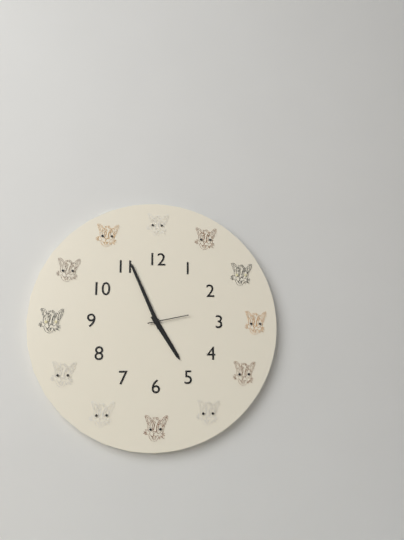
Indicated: **4:56**
